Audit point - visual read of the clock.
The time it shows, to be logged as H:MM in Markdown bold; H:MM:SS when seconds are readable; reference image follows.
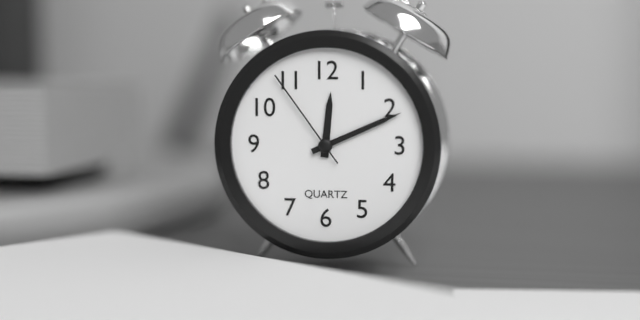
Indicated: **12:11:54**
